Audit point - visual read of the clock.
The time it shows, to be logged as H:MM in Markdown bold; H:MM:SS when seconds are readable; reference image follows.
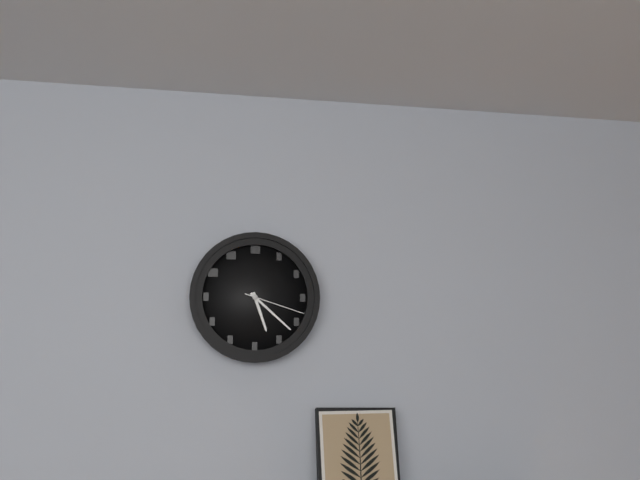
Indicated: **5:22:18**
